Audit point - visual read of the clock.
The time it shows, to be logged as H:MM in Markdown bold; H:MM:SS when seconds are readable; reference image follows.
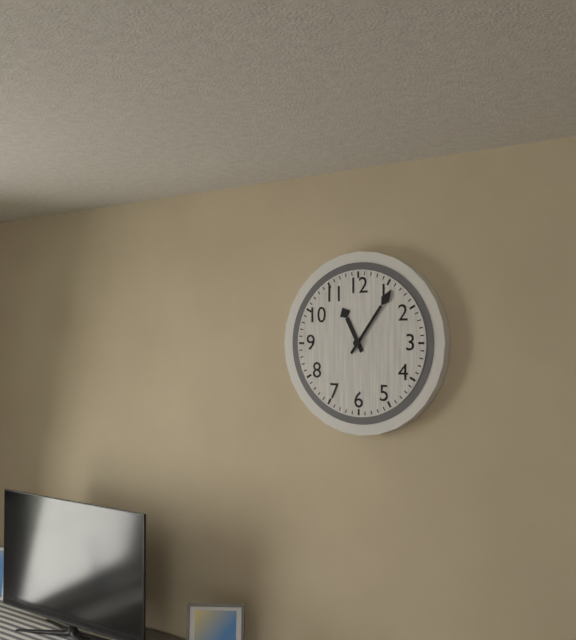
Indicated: **11:06**
